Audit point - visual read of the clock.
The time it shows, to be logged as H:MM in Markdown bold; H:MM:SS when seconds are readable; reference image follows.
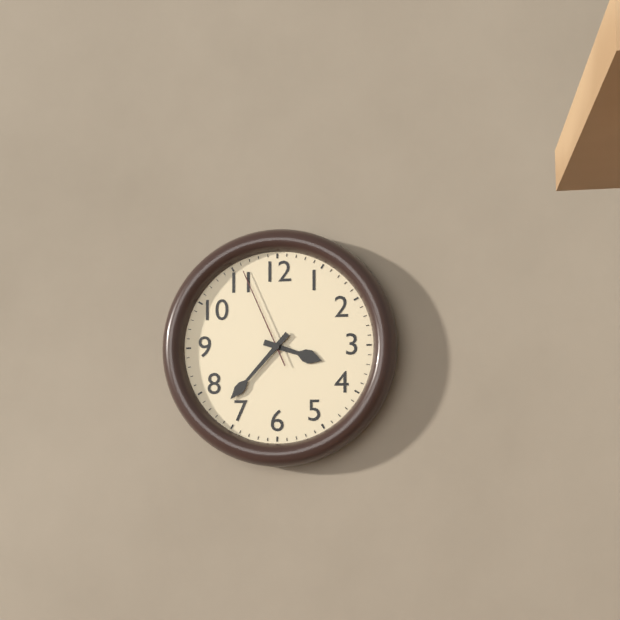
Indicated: **3:37:56**
